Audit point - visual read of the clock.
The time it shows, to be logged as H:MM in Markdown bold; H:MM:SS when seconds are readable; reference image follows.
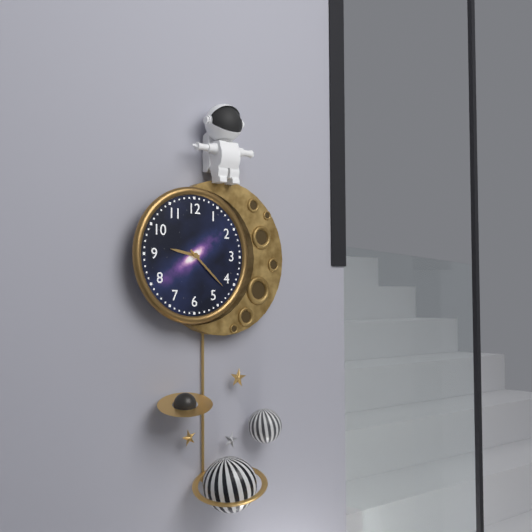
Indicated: **9:22**
